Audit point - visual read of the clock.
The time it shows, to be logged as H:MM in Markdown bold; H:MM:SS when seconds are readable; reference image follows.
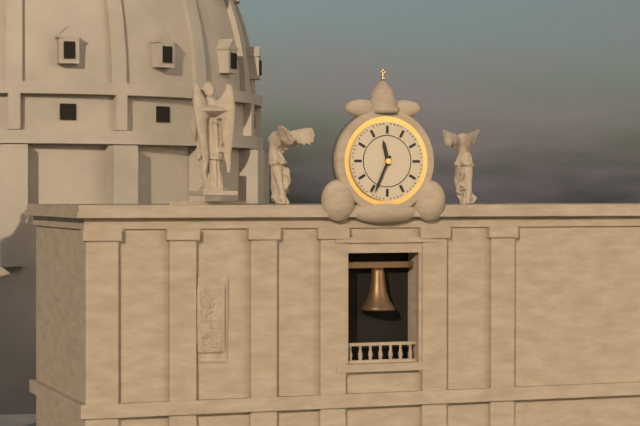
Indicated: **11:34**
